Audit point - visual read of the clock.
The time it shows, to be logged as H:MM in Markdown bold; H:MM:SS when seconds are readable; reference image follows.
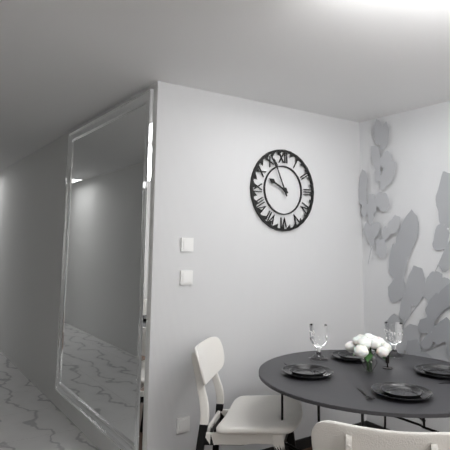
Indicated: **9:56**
